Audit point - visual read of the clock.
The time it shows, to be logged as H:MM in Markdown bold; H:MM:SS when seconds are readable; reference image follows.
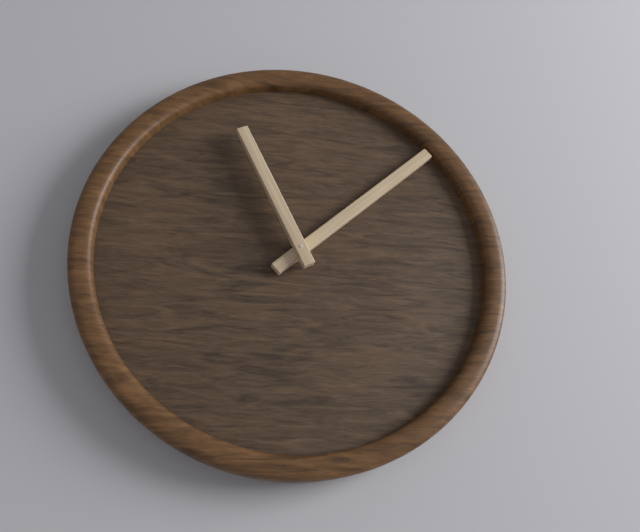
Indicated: **11:08**
